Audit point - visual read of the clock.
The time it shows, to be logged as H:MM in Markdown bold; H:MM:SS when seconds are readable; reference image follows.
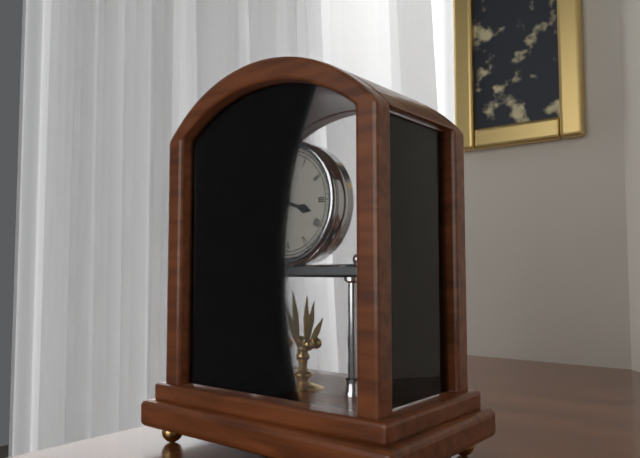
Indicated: **3:36**
